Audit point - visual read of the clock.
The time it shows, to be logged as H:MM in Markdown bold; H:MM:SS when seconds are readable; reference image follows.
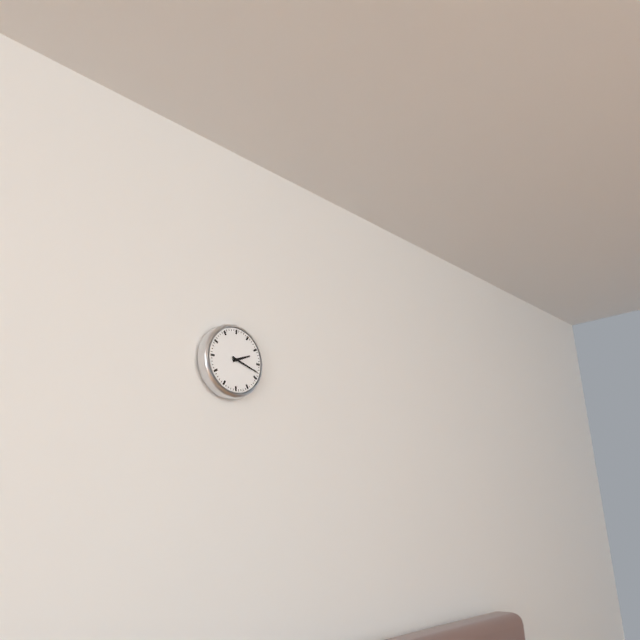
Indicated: **2:18**
